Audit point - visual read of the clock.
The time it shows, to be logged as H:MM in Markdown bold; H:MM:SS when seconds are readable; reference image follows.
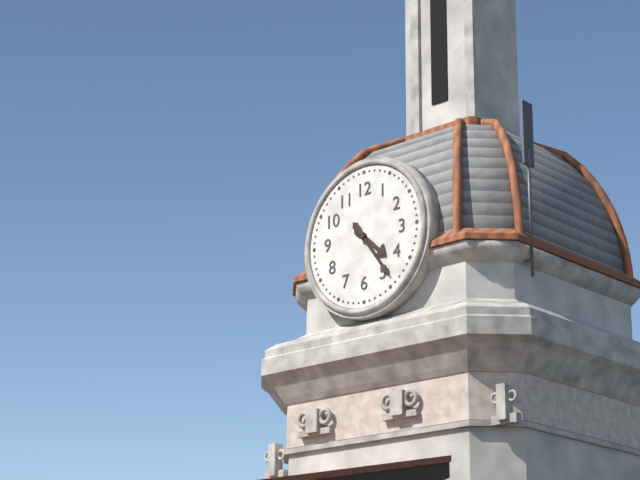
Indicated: **4:24**
